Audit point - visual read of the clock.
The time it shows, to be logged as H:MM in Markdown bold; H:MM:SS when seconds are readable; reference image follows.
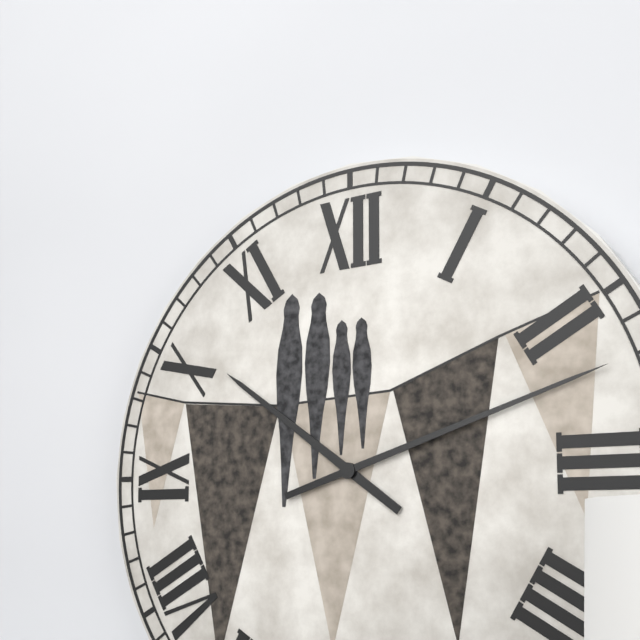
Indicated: **10:12**
